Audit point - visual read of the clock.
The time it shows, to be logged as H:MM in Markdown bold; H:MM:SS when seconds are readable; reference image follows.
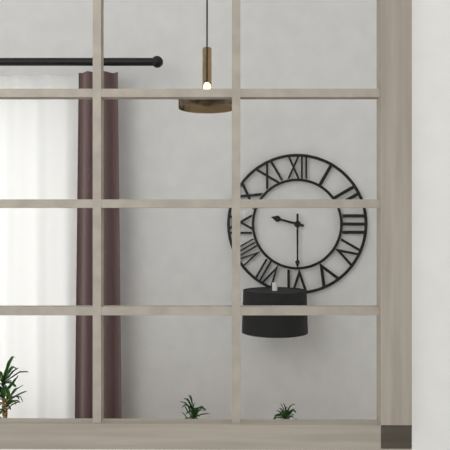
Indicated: **9:30**
